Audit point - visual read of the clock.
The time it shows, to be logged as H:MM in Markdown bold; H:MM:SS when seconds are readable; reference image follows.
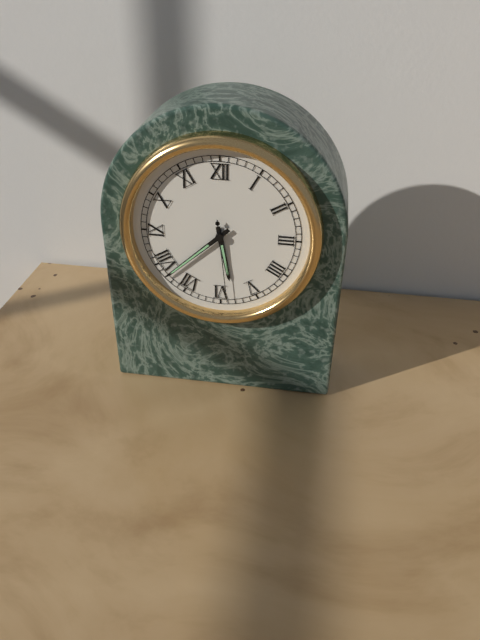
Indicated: **5:38:29**
